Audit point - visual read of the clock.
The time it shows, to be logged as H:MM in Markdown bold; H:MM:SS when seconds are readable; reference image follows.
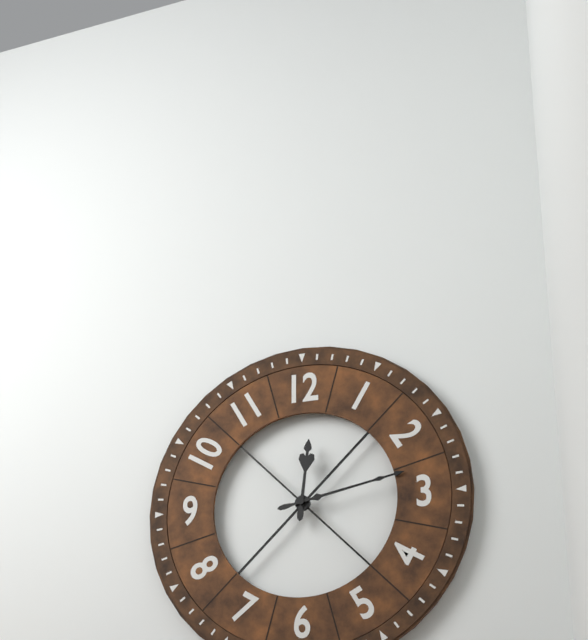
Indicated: **12:13**
